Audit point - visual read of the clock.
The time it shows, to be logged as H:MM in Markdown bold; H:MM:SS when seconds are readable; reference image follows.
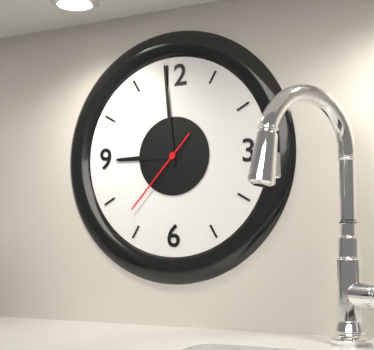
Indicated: **8:59:37**
